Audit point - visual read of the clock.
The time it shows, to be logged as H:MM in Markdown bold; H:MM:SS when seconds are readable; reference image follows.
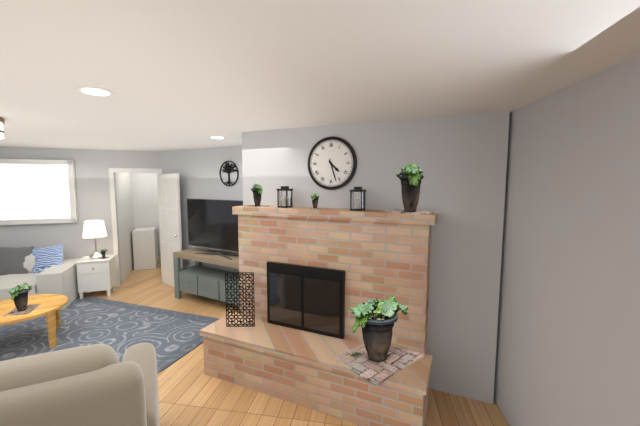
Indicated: **4:27**
